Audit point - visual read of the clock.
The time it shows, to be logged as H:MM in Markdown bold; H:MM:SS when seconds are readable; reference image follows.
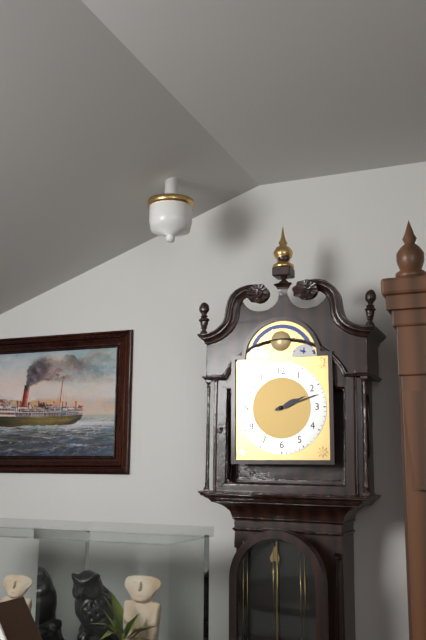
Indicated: **2:12**
